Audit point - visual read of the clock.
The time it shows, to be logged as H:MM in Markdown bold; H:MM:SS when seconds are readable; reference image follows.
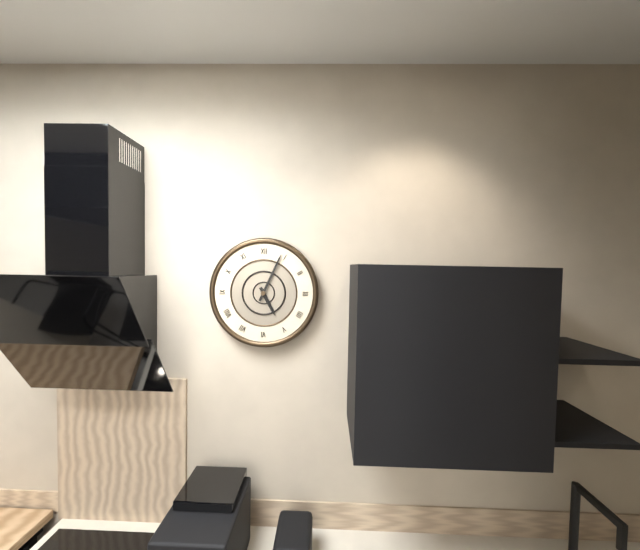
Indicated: **5:04**
